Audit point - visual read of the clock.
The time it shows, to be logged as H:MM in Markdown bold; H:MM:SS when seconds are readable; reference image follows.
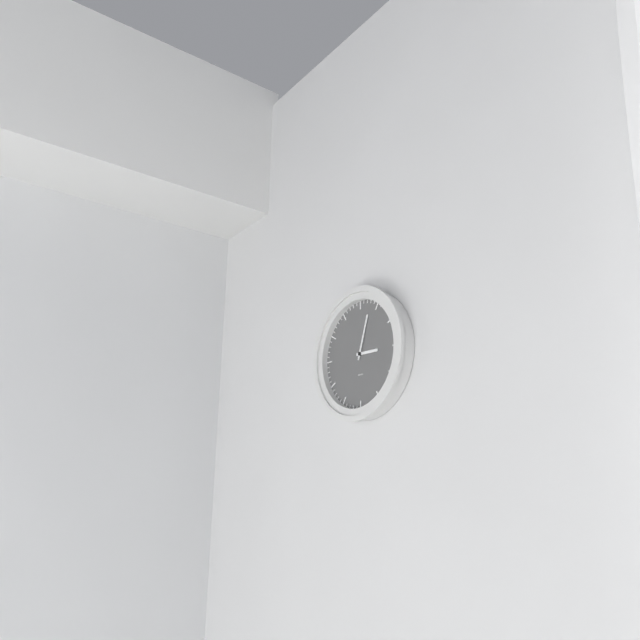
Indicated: **3:03**
